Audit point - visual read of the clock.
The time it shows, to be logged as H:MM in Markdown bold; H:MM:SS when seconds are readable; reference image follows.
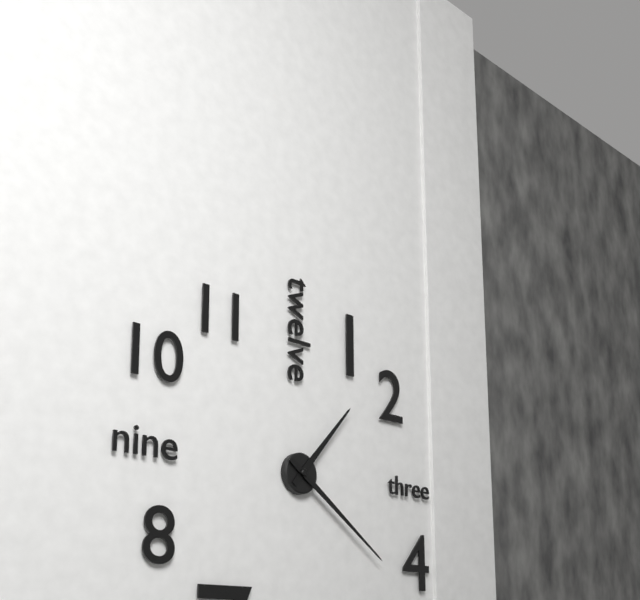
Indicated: **1:21**
